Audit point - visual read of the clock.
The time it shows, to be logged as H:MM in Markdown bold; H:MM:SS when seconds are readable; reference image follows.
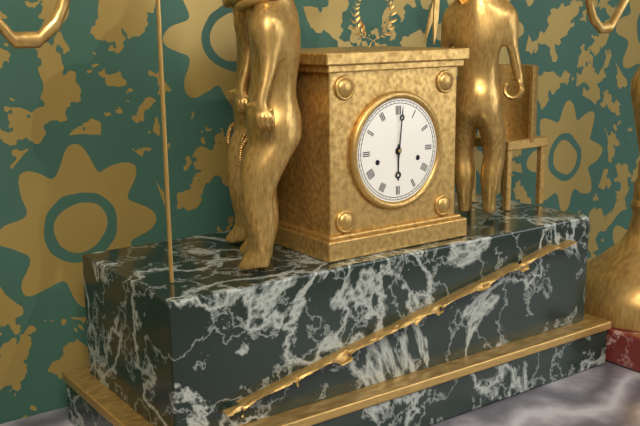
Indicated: **6:01**
